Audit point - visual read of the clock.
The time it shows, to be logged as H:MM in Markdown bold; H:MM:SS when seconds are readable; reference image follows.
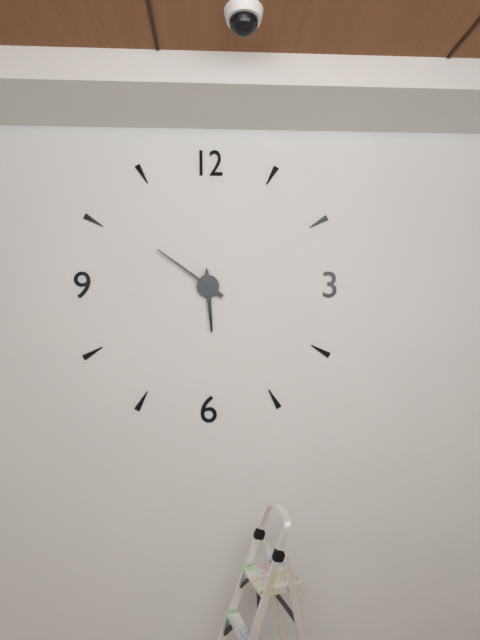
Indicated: **5:51**
